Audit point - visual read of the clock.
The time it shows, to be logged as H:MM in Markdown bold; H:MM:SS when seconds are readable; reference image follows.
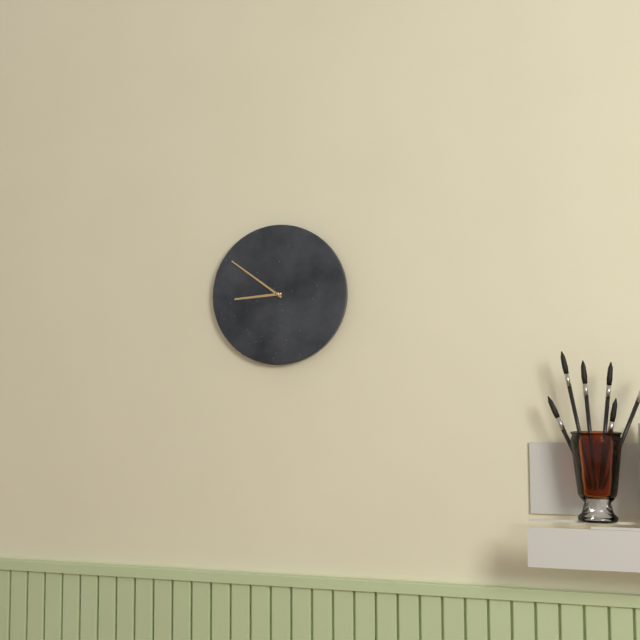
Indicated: **8:51**
